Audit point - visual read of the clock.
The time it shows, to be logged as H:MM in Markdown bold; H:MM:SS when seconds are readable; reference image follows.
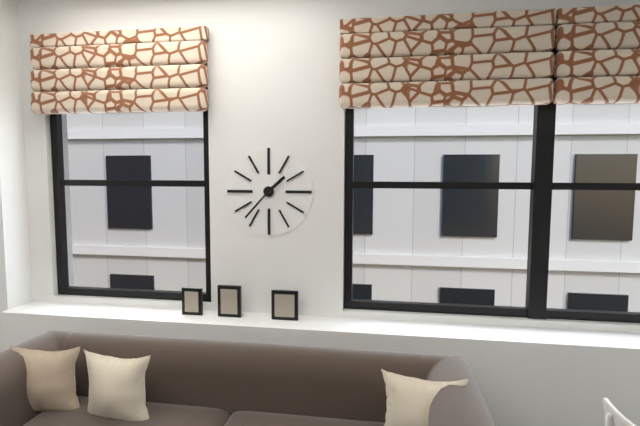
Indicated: **1:37**
